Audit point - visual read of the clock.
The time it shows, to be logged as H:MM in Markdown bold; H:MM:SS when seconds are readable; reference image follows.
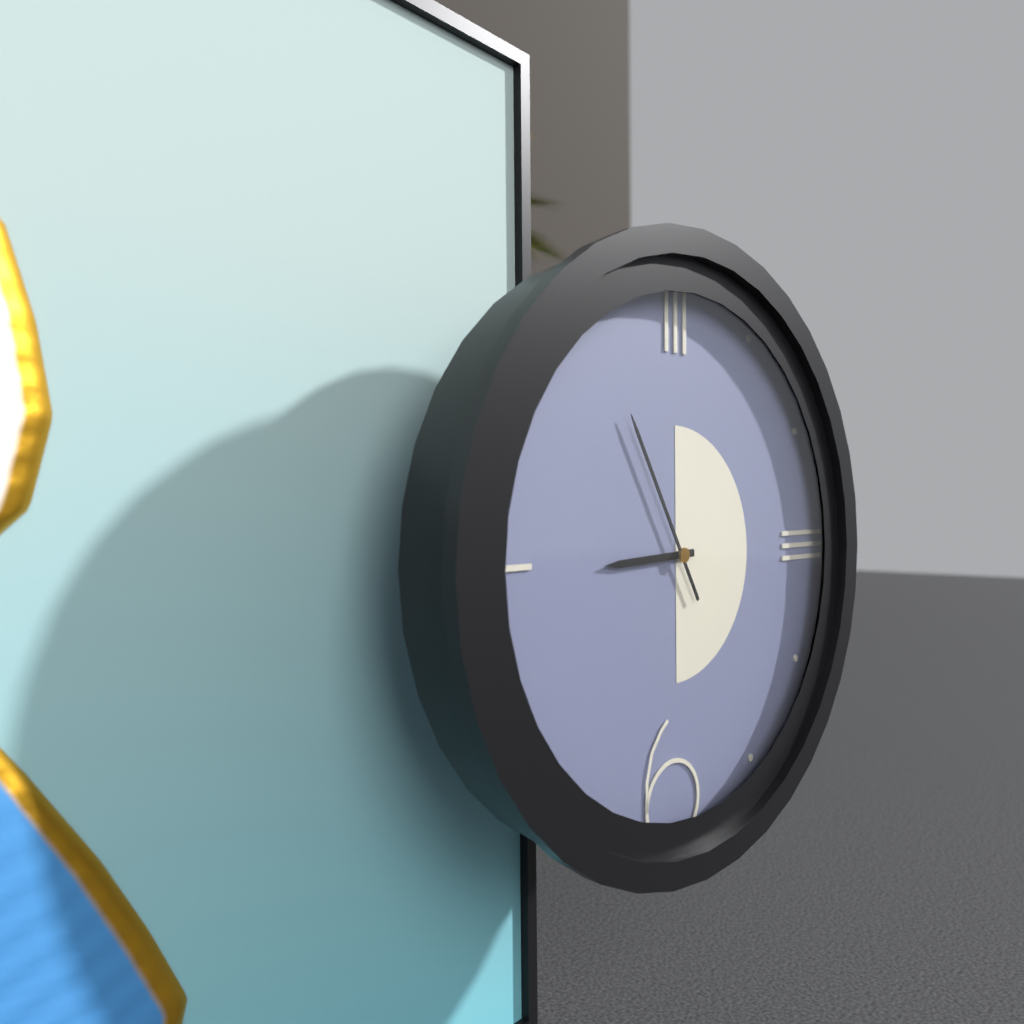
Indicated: **8:55**
